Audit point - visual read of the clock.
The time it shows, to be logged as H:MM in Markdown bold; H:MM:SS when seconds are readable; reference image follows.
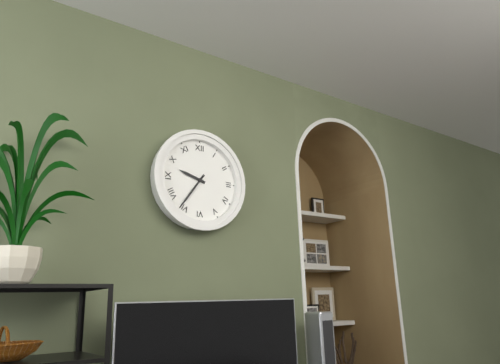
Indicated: **9:36**
